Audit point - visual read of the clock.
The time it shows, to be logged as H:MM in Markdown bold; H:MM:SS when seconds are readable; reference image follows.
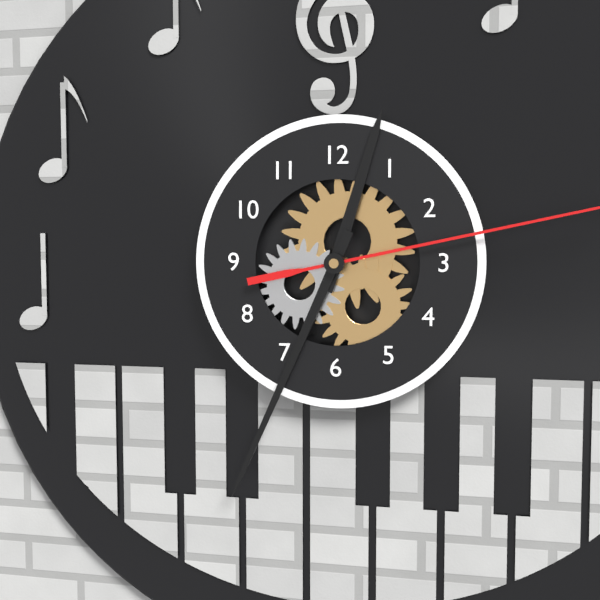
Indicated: **12:34**
